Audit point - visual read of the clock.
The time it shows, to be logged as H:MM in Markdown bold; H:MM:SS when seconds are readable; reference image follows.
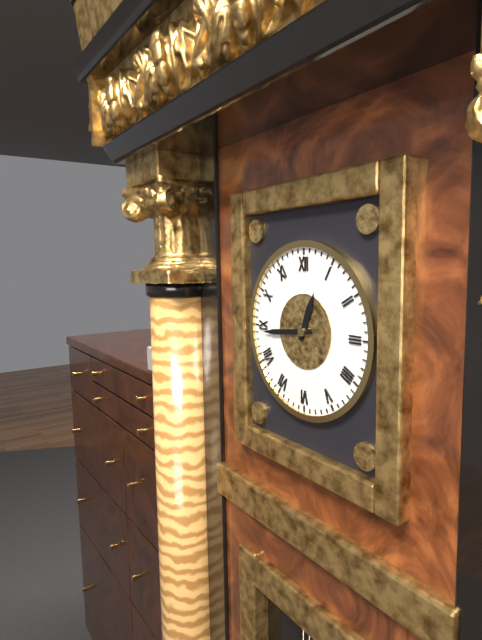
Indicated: **12:44**
